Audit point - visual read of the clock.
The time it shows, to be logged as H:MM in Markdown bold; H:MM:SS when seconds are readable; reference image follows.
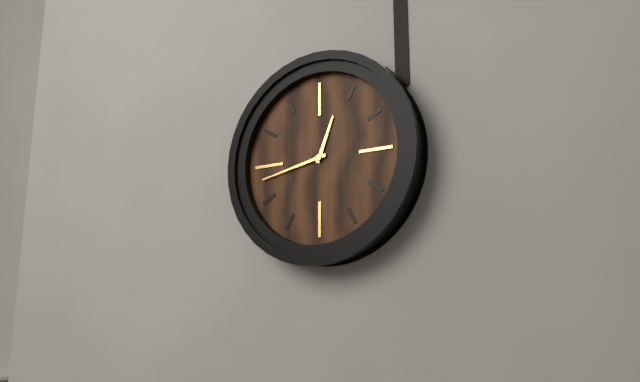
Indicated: **12:43**
